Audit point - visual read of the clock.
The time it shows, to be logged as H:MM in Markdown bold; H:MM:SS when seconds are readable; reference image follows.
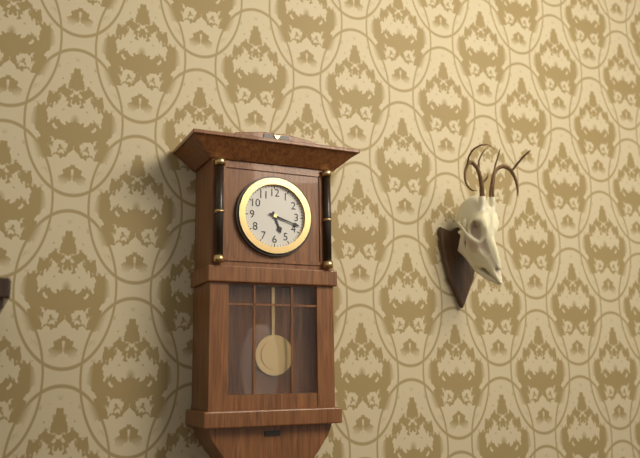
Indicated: **5:18**
